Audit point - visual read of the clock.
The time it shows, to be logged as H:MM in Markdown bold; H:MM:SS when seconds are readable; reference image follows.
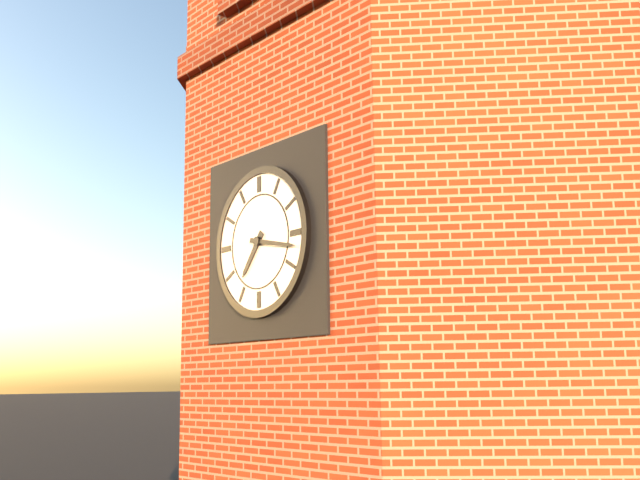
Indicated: **7:17**
